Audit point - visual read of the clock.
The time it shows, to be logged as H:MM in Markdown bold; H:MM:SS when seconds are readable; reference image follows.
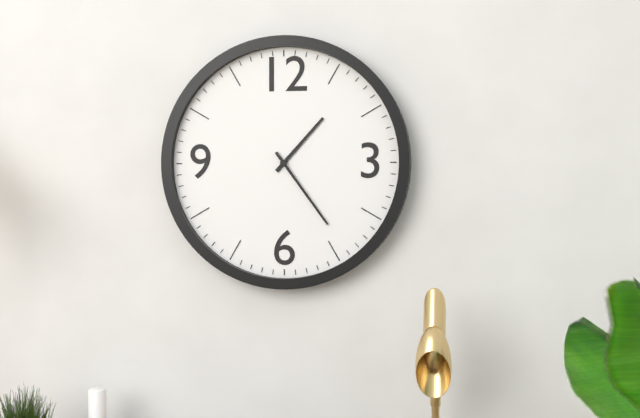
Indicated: **1:24**
